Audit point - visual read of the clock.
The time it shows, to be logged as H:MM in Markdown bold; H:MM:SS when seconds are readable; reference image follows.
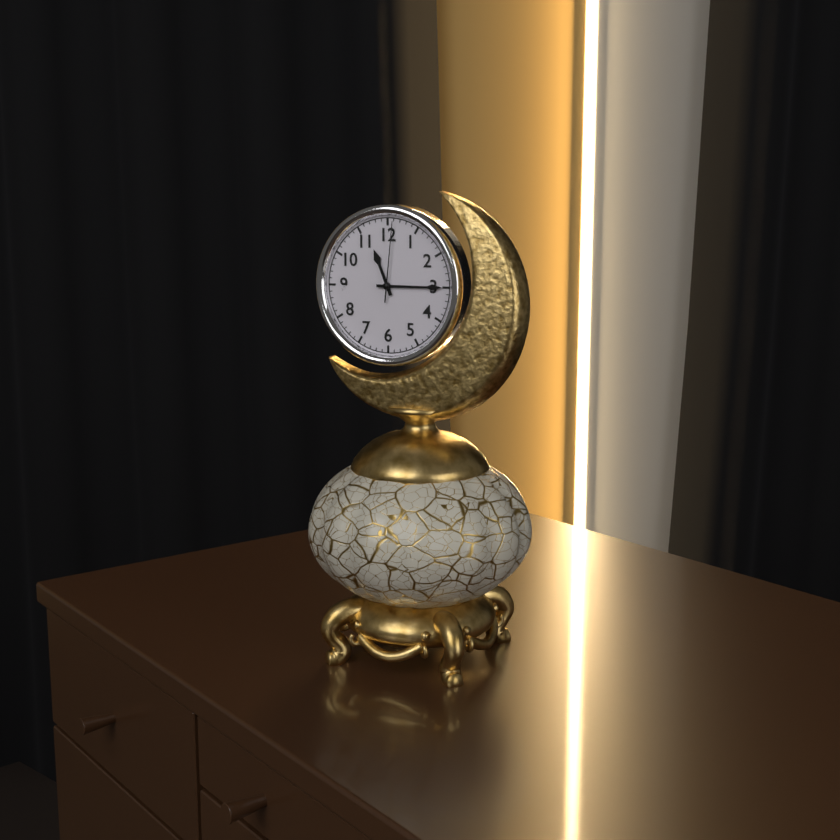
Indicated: **11:15:01**
